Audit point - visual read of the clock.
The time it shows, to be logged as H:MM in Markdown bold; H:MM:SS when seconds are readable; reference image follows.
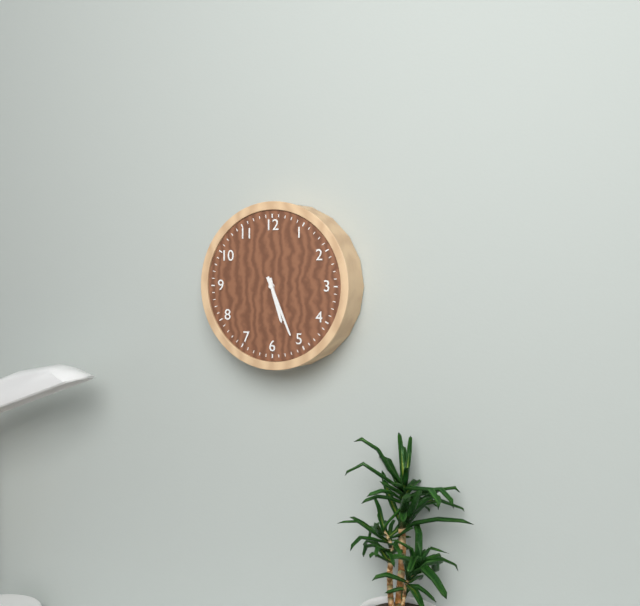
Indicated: **5:26**
